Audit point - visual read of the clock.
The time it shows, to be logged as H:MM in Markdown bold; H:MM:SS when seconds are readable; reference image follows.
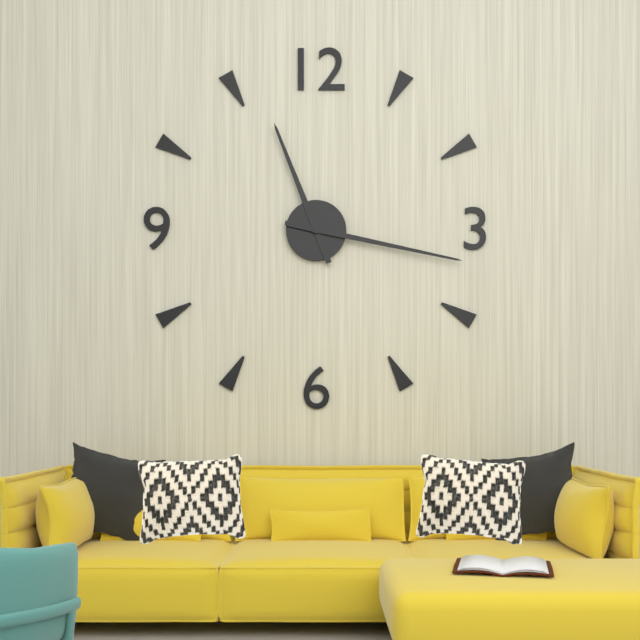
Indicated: **11:17**
